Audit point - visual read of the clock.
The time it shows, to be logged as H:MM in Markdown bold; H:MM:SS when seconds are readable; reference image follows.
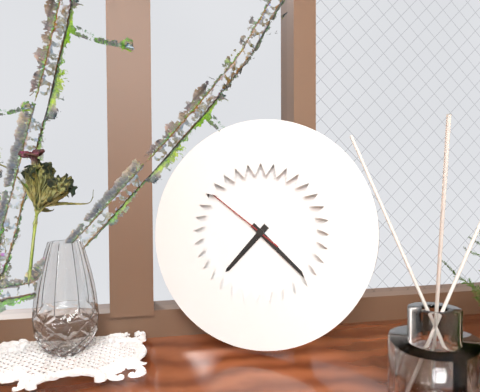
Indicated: **7:22:51**
